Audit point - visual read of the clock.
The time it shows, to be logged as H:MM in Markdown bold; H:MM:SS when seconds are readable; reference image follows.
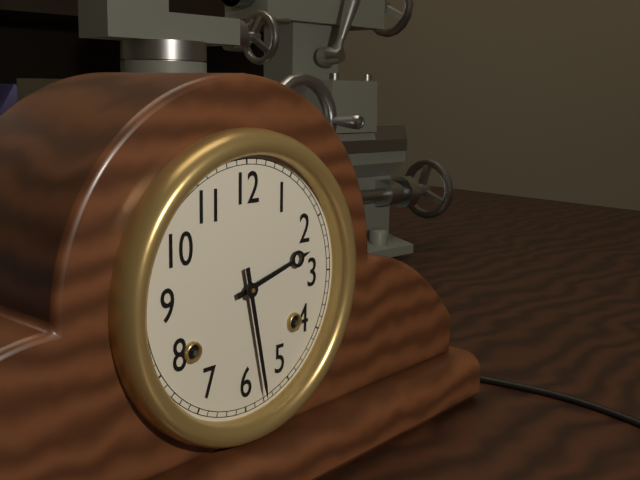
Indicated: **2:28**
